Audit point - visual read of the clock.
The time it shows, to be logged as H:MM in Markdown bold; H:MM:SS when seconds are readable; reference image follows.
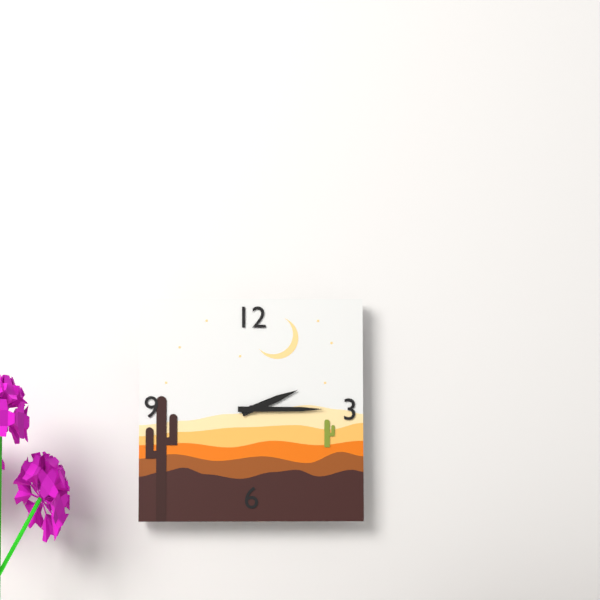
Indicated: **2:15**
